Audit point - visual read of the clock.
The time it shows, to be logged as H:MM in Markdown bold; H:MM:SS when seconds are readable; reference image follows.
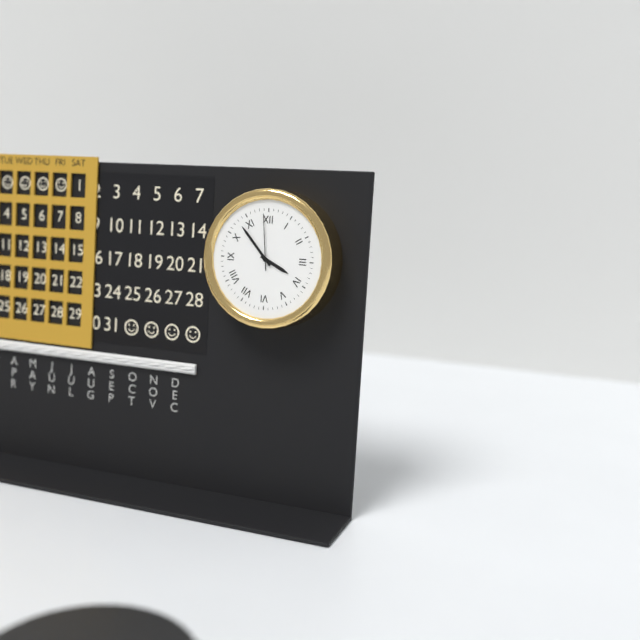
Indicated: **3:53:59**
